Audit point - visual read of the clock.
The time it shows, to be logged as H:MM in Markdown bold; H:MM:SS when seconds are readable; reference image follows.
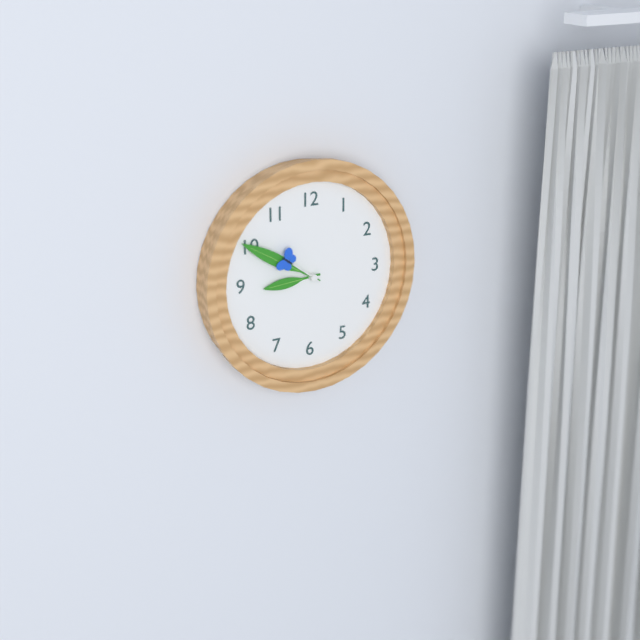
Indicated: **8:50**
